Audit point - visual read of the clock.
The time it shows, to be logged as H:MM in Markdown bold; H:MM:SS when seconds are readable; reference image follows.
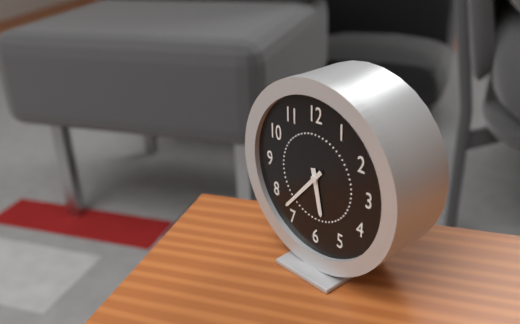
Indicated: **5:37**
